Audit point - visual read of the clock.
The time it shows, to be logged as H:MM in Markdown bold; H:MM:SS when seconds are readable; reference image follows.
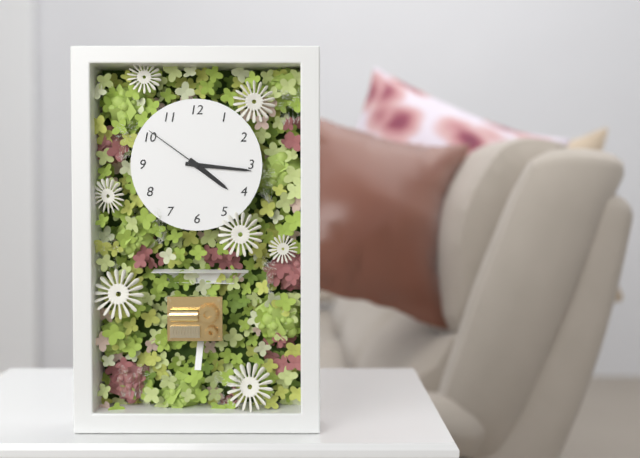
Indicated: **4:16:51**
